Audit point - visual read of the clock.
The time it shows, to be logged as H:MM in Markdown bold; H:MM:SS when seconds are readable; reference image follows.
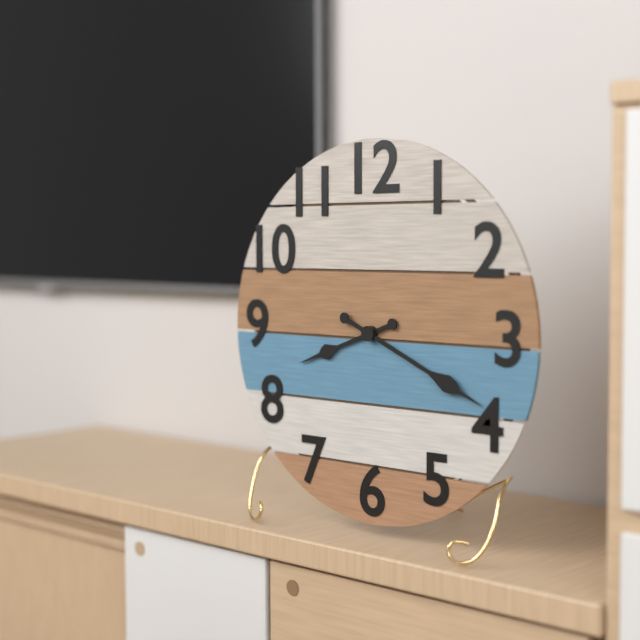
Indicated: **8:19**
